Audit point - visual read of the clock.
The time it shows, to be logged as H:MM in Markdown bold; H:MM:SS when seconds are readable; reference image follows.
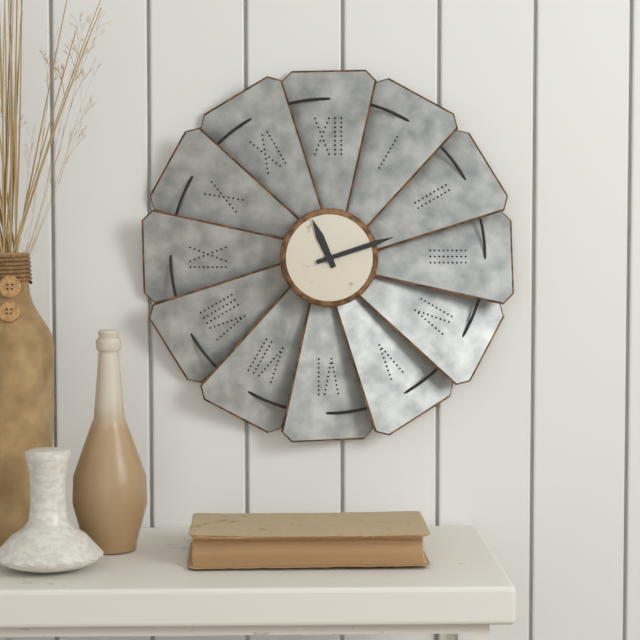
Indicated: **11:12**
